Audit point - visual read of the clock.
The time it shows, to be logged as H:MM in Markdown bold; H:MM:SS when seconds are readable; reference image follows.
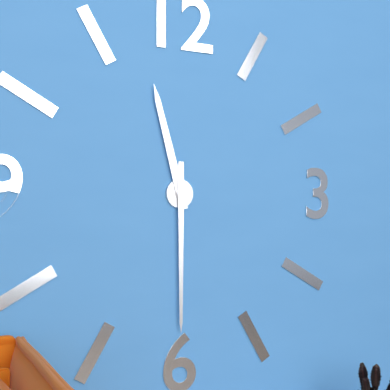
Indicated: **11:30**
